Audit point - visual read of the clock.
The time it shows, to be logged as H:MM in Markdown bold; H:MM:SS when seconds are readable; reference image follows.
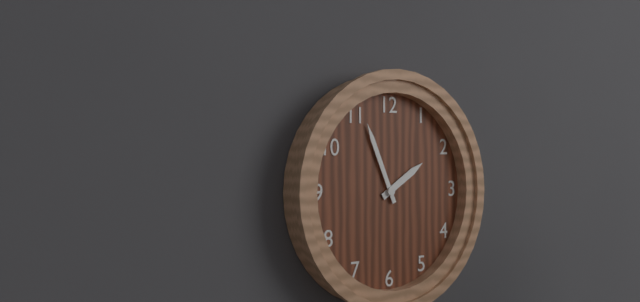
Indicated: **1:56**
